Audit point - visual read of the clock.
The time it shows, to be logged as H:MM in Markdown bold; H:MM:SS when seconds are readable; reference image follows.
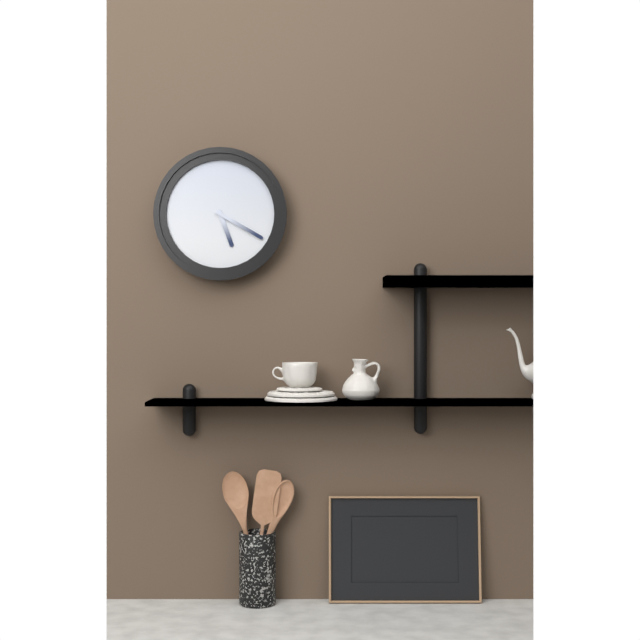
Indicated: **5:20**
